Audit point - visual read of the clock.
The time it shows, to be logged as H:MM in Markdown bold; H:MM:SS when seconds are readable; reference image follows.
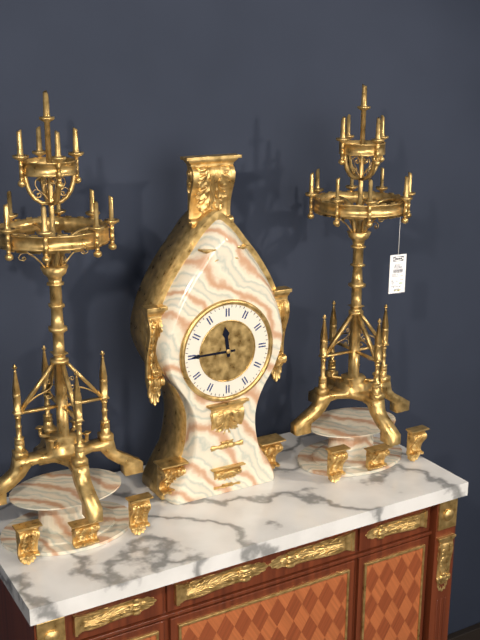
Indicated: **11:45**
